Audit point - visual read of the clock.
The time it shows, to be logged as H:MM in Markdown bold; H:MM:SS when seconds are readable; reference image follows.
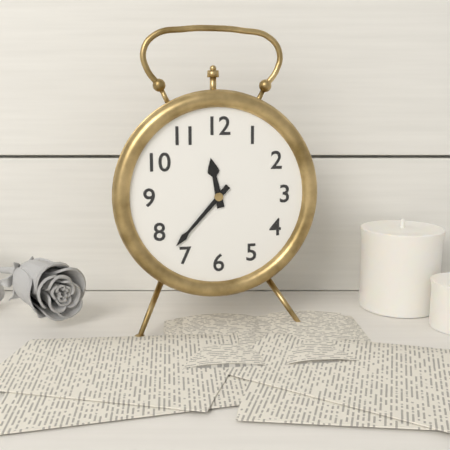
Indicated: **11:37**
